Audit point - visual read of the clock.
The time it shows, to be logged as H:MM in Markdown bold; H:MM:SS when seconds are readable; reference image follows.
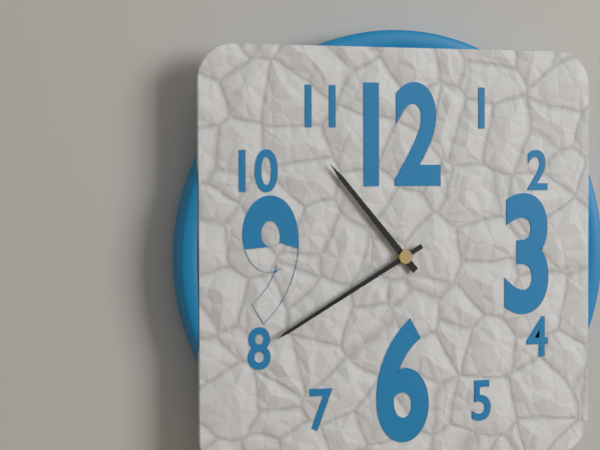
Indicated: **10:40**
